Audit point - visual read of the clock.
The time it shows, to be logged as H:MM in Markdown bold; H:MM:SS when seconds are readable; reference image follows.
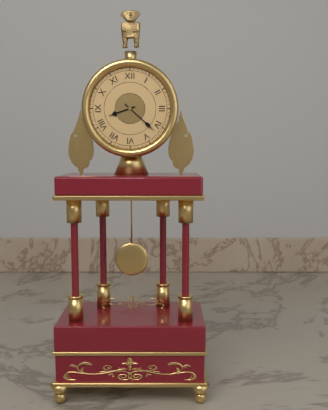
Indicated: **8:22**
